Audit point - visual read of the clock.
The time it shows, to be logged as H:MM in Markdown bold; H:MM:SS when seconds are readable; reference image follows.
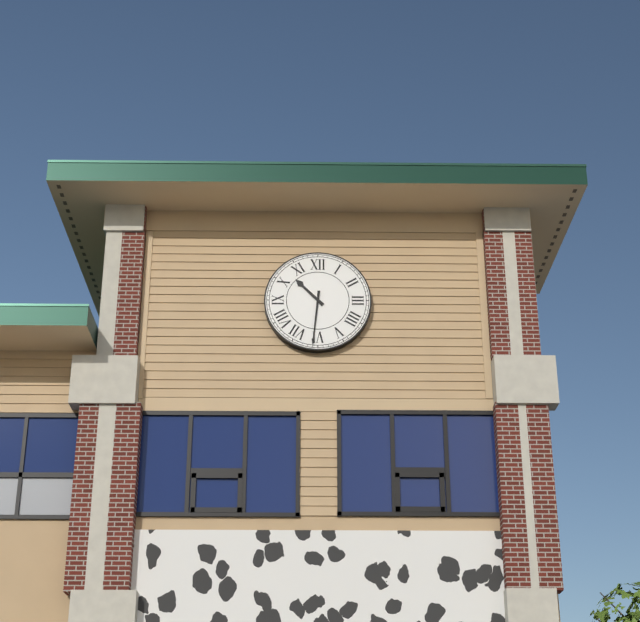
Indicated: **10:31**
